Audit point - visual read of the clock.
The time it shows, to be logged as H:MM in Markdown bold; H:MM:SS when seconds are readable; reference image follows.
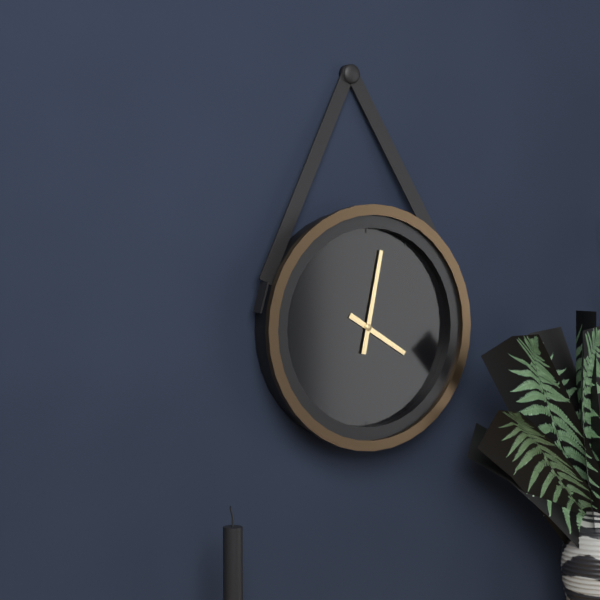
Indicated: **4:02**
